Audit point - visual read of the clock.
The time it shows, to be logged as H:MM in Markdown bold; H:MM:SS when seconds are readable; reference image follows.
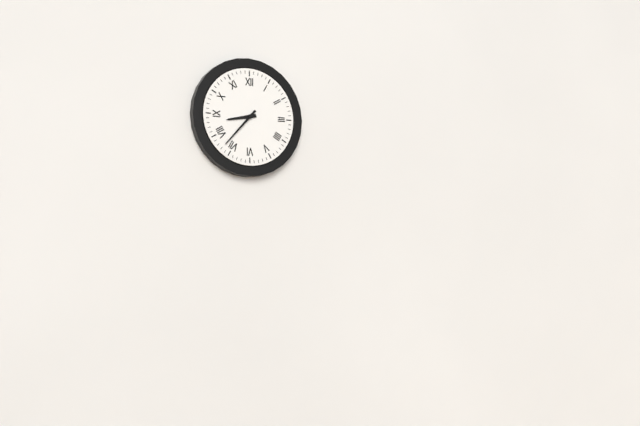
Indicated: **8:37**
